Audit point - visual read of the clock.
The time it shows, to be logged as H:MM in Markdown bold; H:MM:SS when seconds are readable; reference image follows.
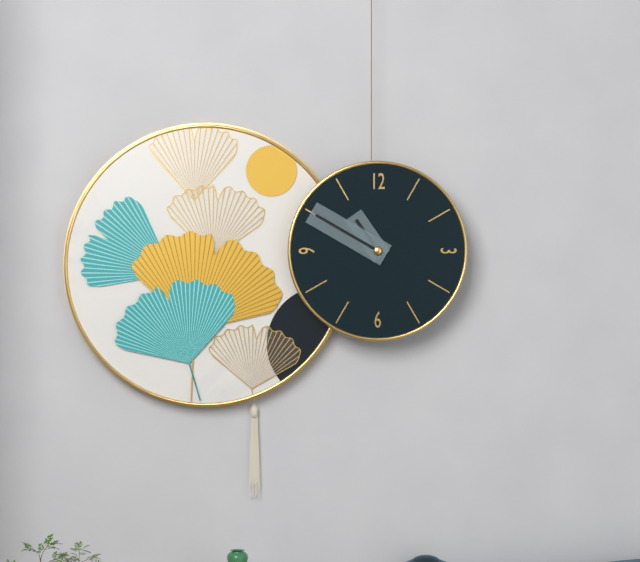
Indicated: **10:50**
